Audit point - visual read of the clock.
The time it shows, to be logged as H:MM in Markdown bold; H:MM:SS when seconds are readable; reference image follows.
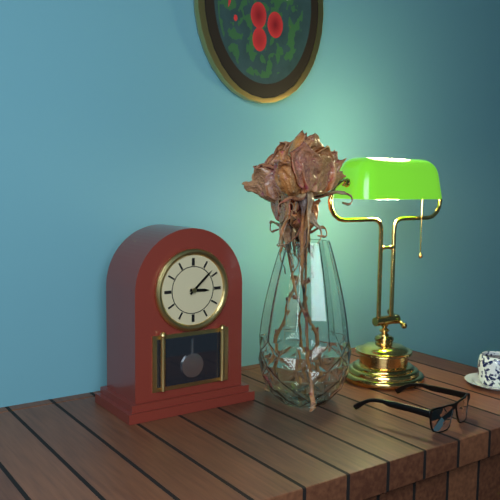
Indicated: **3:08**
